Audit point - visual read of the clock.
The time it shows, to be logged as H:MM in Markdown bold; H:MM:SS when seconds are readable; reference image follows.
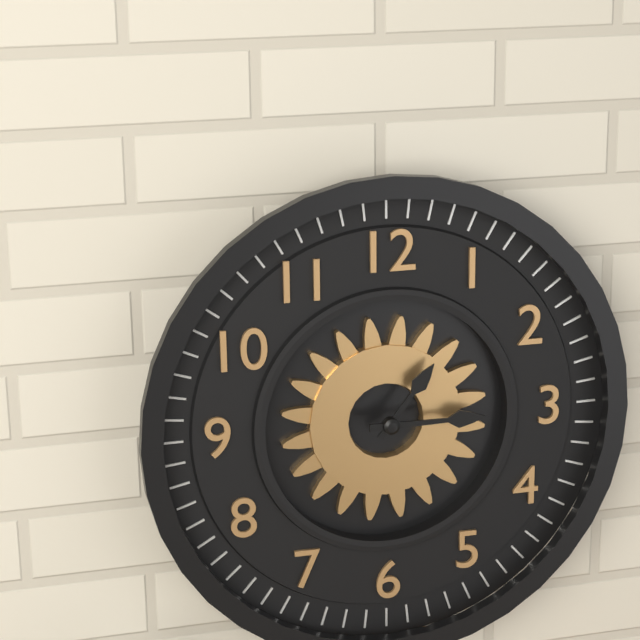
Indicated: **1:15**
